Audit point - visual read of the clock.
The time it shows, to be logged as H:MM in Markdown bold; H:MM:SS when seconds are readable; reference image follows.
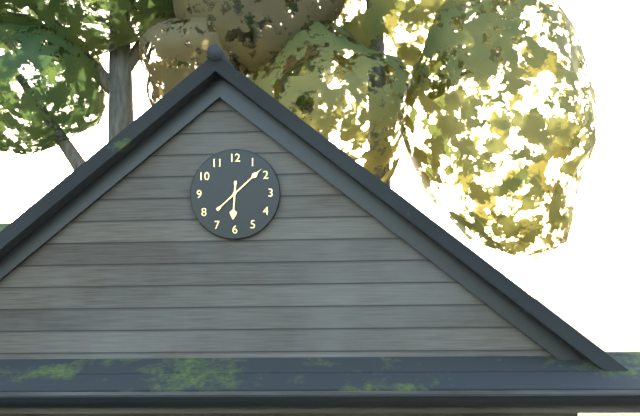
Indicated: **6:08**
